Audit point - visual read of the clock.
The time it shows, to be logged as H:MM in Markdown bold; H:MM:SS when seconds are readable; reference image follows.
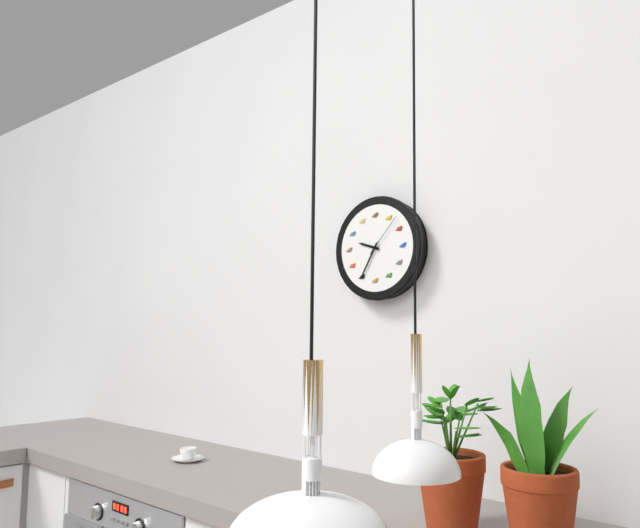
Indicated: **9:35**
